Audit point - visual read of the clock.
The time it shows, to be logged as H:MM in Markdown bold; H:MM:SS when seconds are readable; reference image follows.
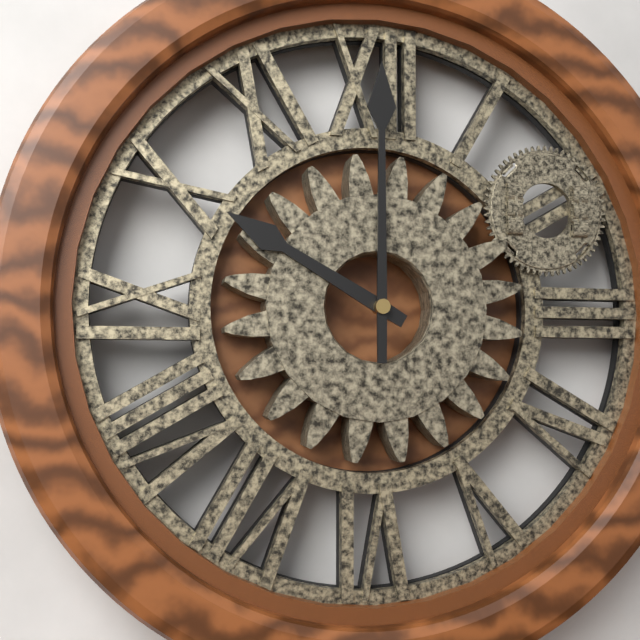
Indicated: **10:00**
